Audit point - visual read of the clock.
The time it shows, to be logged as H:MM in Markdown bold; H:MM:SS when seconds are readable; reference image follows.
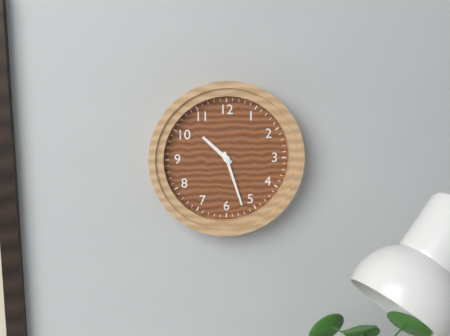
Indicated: **10:27**
